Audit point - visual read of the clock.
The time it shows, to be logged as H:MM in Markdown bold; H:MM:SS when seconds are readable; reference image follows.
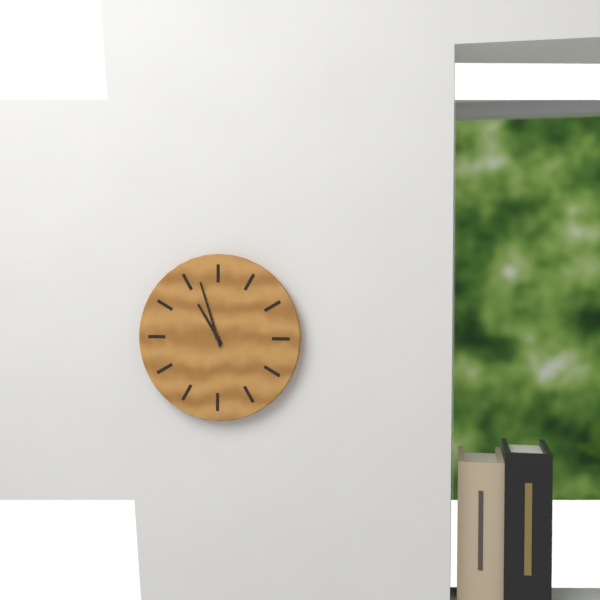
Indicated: **10:57**
